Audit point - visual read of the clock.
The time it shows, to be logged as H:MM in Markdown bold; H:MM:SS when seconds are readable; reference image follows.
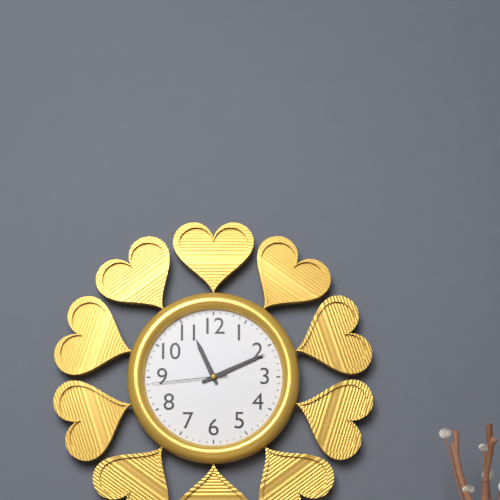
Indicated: **11:11:44**
